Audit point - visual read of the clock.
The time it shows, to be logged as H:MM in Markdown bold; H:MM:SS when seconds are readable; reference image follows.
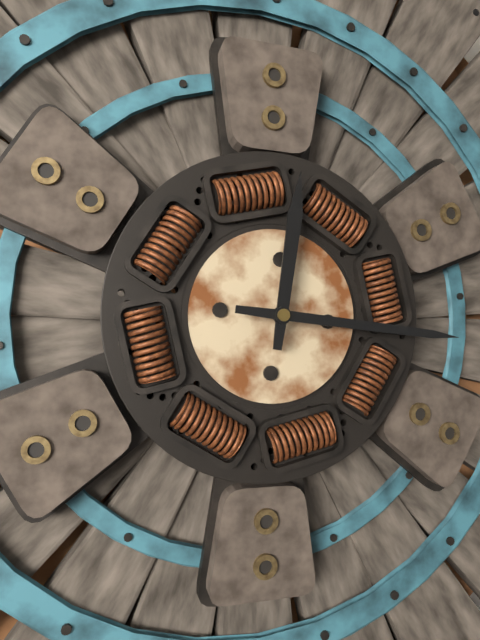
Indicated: **12:16**
